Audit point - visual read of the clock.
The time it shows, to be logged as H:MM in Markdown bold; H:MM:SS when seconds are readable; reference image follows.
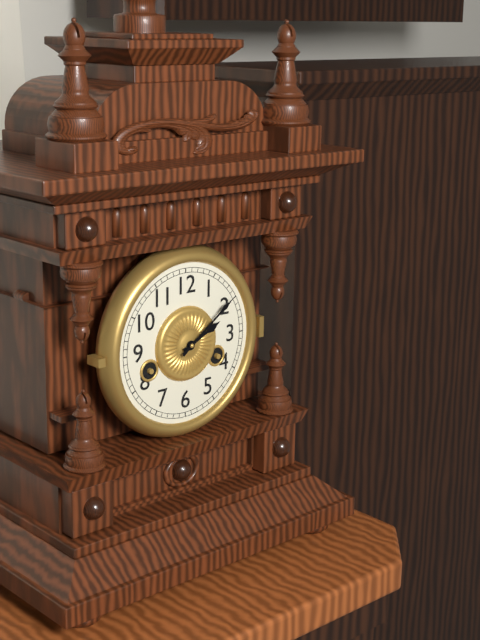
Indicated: **2:09**
